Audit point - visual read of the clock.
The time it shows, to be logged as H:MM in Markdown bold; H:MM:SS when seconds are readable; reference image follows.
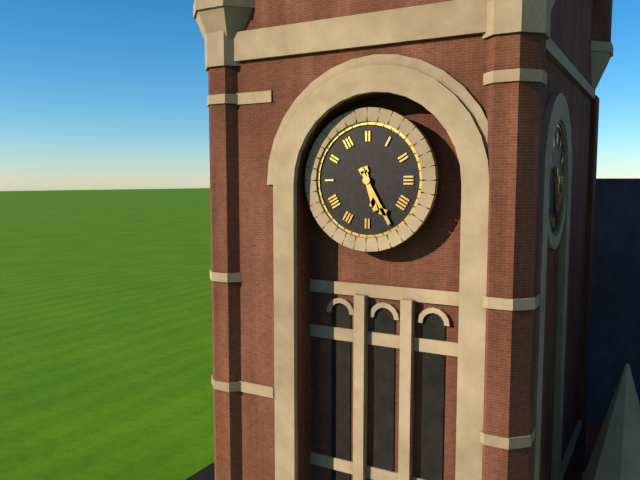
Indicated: **5:25**
